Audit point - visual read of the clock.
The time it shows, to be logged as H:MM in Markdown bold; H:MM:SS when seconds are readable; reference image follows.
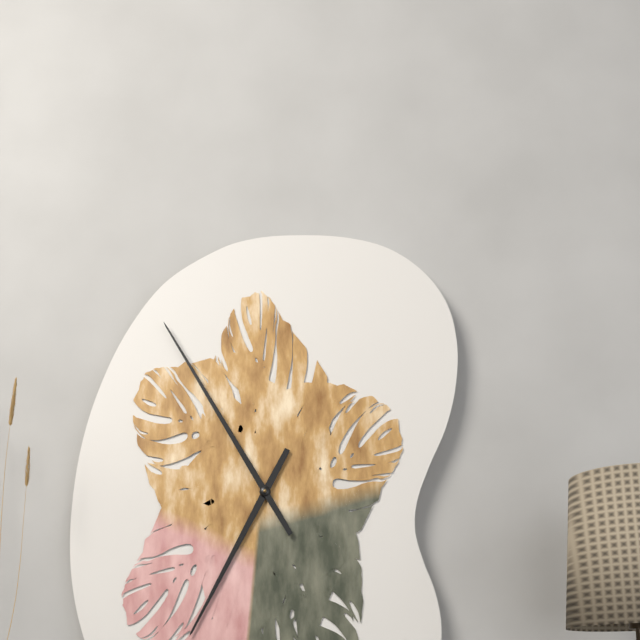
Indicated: **6:55**
